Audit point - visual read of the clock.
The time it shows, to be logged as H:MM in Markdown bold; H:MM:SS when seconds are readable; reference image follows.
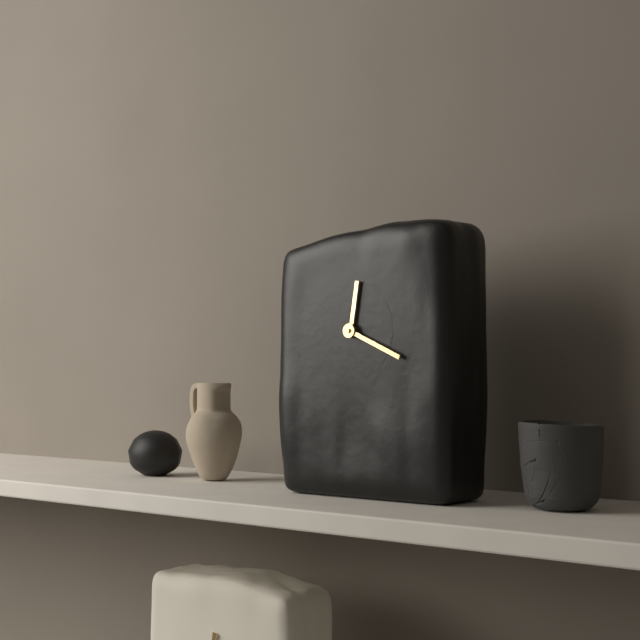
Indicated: **12:19**
